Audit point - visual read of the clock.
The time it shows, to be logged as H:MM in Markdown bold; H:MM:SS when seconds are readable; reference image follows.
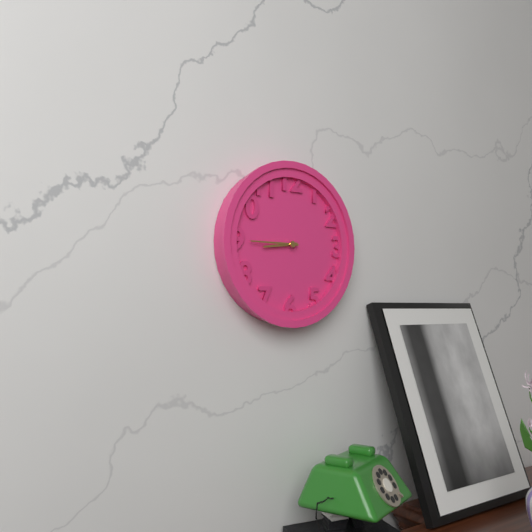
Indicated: **8:45**
